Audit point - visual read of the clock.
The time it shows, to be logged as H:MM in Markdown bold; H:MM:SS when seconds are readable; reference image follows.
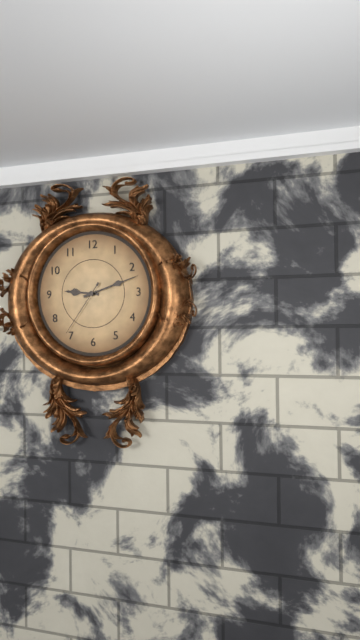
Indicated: **9:12:36**
